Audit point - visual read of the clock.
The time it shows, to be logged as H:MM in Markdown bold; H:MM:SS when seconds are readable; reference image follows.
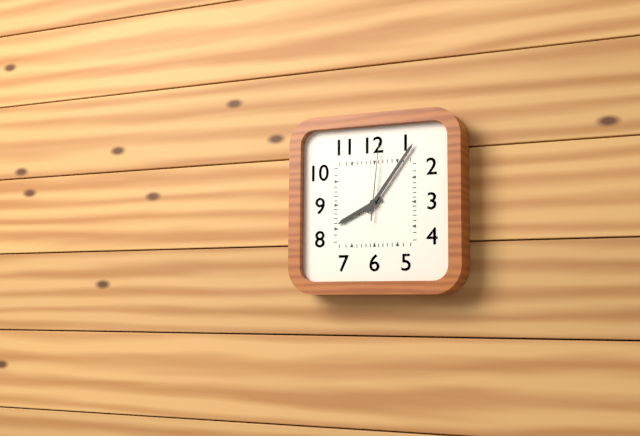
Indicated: **8:06:01**
